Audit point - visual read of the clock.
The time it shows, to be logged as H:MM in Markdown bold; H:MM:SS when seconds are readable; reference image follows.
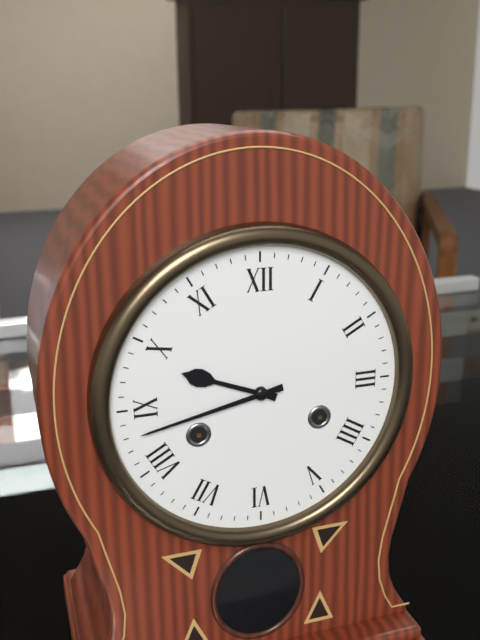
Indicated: **9:43**
